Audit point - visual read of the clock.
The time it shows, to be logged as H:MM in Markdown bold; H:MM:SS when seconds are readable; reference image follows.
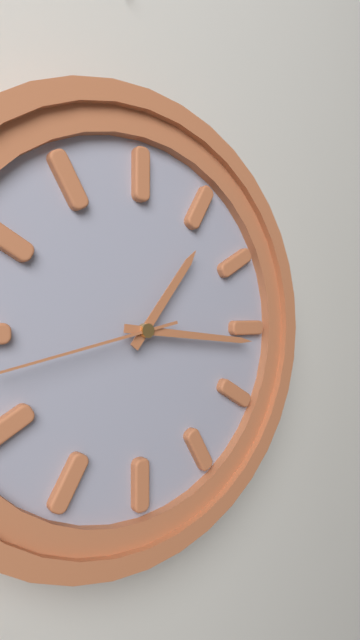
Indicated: **1:16**
